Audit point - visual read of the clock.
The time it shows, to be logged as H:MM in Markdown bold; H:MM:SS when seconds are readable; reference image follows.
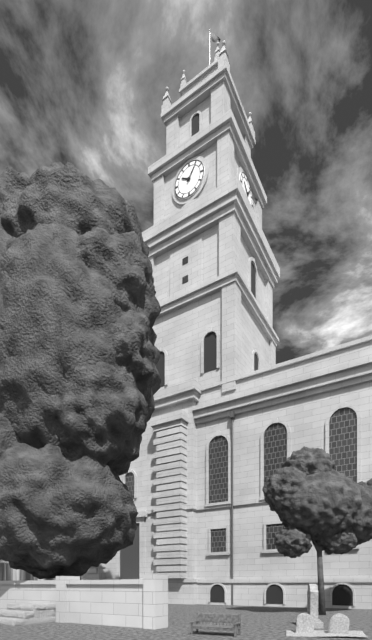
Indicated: **10:06**
